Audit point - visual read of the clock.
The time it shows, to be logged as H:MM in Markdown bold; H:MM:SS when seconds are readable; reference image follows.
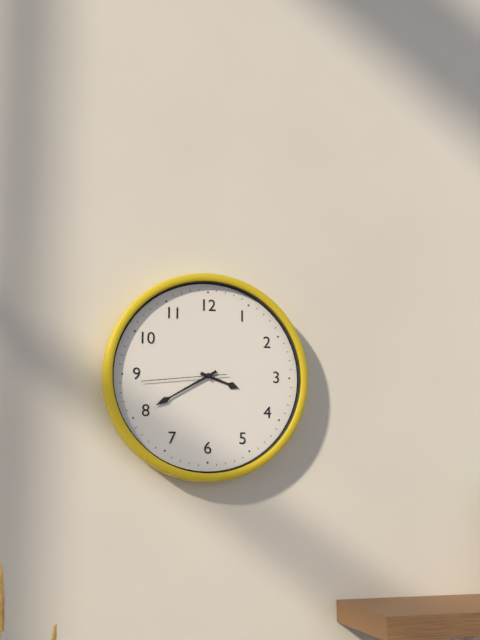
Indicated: **3:40:44**
